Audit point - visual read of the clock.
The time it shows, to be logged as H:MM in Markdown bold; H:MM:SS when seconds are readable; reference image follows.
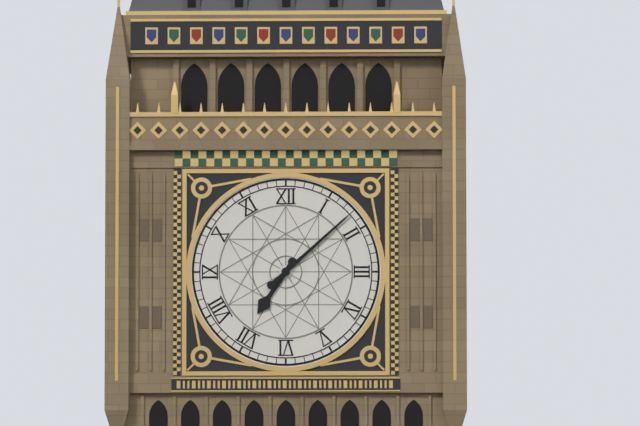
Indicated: **7:08**
